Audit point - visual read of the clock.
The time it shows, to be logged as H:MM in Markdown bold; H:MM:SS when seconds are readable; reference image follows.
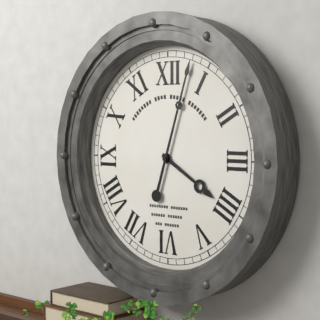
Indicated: **4:03**
